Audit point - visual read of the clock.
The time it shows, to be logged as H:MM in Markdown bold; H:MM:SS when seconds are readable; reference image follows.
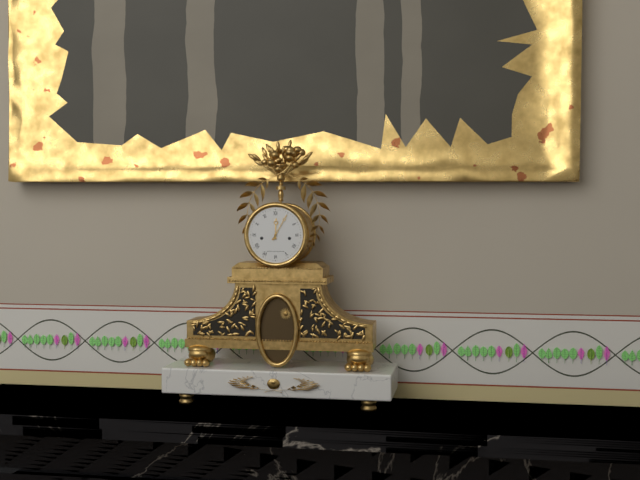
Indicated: **12:05**
